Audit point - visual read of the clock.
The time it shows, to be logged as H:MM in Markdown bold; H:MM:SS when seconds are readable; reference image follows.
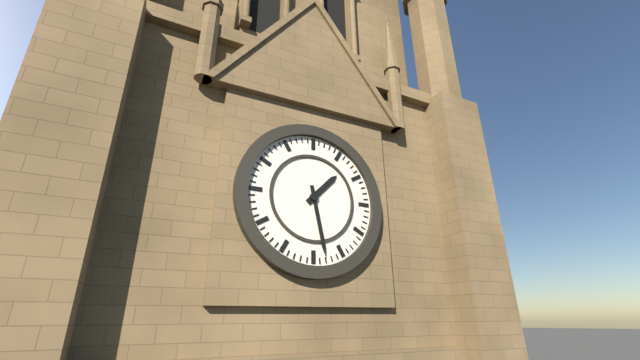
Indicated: **1:28**
